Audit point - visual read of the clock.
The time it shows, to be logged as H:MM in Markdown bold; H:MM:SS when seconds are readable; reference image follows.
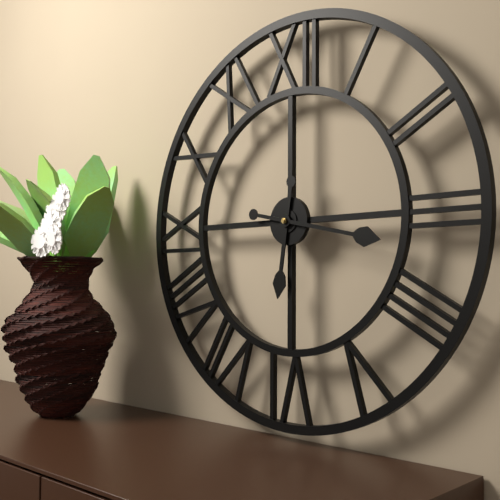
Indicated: **6:17**
